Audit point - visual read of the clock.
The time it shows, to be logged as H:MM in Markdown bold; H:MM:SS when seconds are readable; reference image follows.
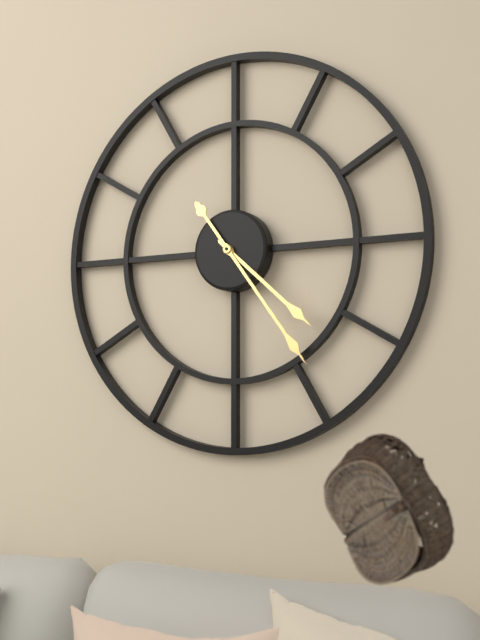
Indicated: **4:24**
